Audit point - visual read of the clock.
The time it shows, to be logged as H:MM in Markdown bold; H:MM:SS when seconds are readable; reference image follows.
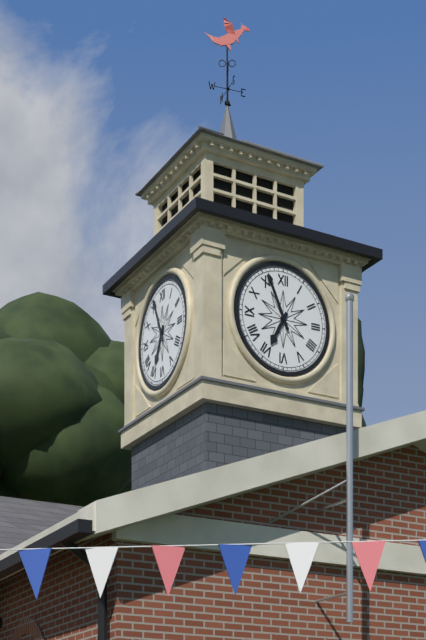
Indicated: **6:56**
